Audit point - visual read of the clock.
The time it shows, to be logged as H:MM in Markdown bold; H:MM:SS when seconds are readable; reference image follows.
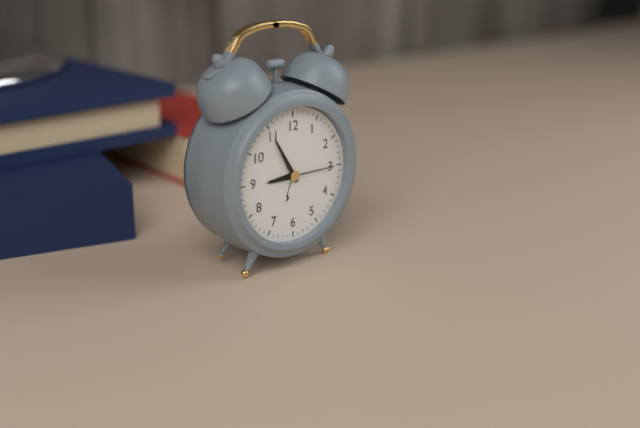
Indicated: **8:55:15**
